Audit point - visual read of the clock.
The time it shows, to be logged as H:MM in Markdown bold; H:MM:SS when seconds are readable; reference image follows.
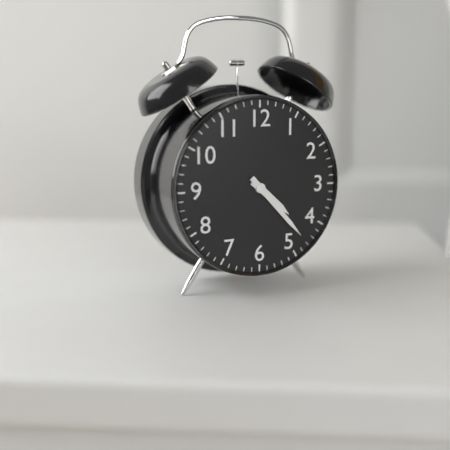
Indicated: **4:23**
